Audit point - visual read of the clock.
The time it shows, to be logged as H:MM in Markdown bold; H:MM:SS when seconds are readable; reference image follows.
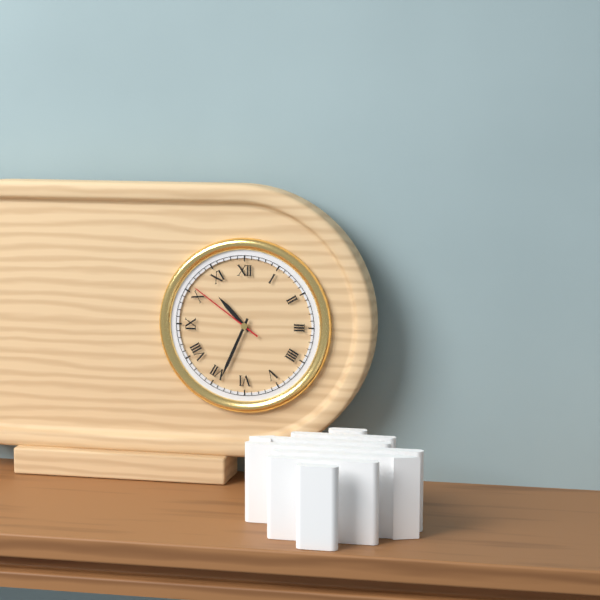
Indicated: **10:34:51**
